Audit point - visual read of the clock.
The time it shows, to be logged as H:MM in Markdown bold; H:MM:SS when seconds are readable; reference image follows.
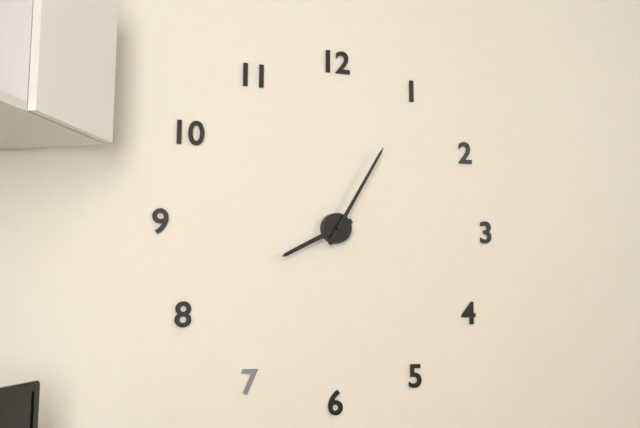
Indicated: **8:05**
